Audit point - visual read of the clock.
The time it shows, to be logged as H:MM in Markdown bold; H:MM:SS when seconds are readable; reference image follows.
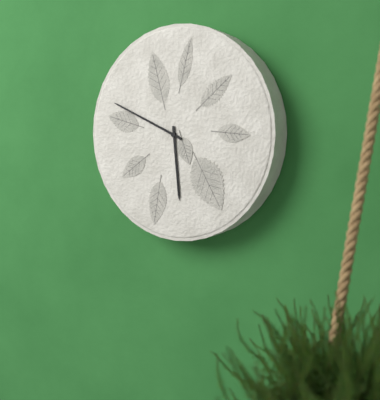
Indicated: **5:49**
